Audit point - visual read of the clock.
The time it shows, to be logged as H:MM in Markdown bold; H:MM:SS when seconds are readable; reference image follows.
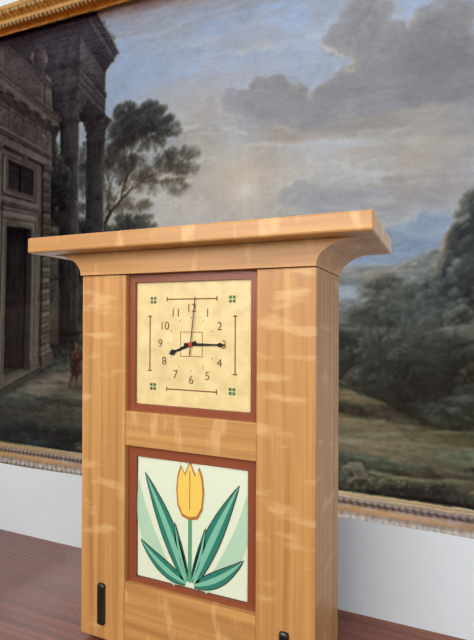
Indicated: **8:15:01**
